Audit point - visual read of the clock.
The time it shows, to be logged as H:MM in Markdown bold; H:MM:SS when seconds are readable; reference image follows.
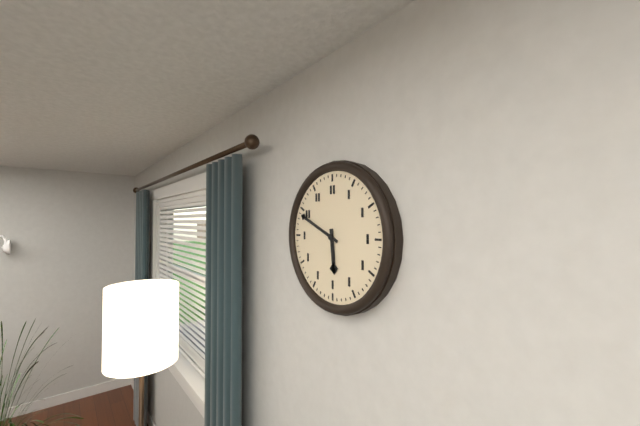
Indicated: **5:49**
